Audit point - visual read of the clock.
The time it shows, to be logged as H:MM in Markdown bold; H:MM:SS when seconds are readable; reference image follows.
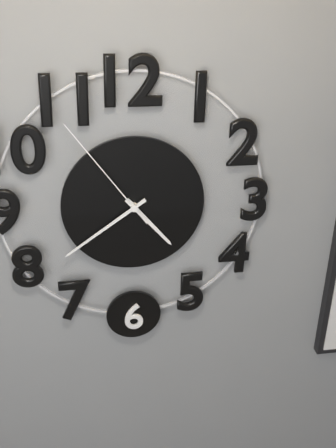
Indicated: **4:39:54**
